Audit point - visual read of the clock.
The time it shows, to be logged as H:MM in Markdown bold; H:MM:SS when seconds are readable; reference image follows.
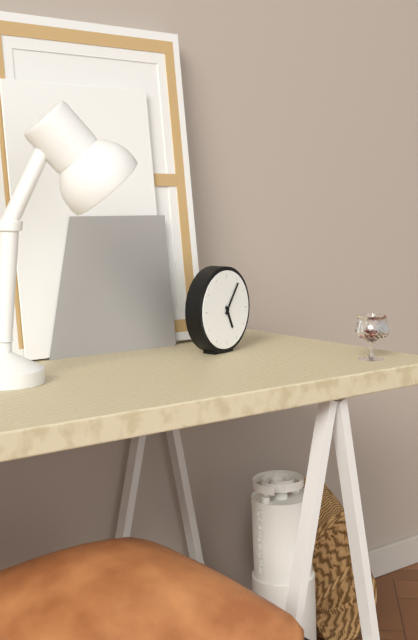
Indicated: **5:06**
